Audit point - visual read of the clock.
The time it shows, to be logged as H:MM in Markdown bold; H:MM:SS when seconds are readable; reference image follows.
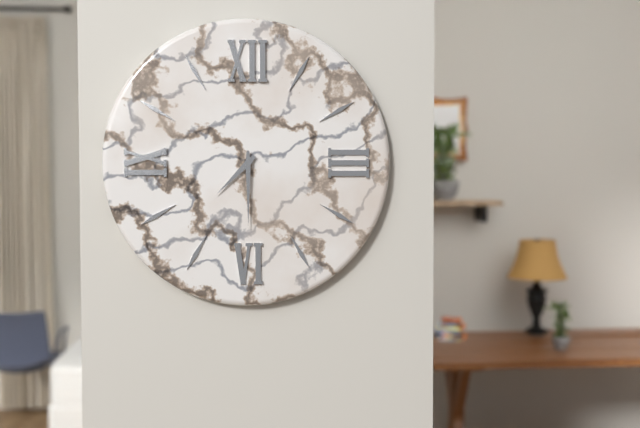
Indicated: **7:30**
